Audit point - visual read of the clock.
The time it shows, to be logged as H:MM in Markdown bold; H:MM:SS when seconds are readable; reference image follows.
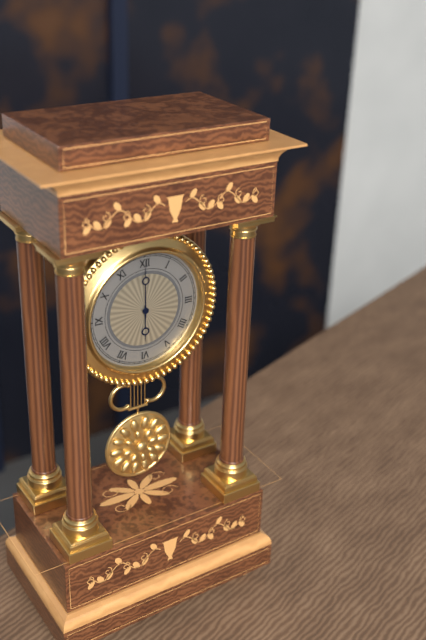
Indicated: **6:00**
